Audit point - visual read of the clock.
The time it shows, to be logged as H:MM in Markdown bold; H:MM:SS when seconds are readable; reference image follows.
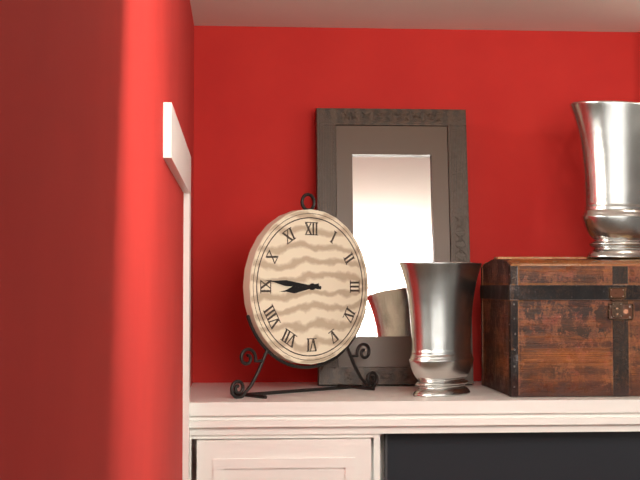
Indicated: **8:46**
